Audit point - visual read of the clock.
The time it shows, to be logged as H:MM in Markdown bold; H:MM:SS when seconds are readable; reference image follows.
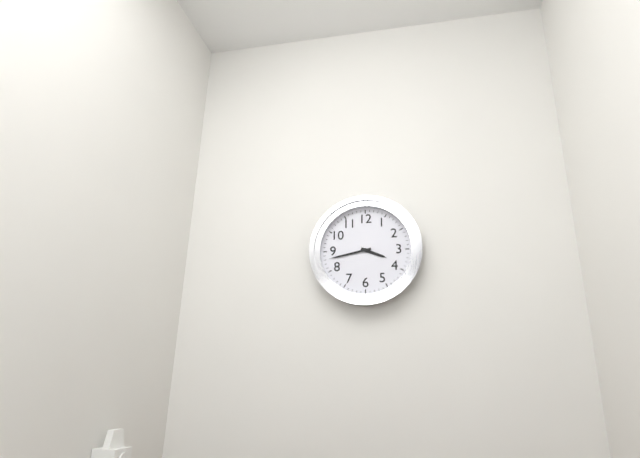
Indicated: **3:43**
